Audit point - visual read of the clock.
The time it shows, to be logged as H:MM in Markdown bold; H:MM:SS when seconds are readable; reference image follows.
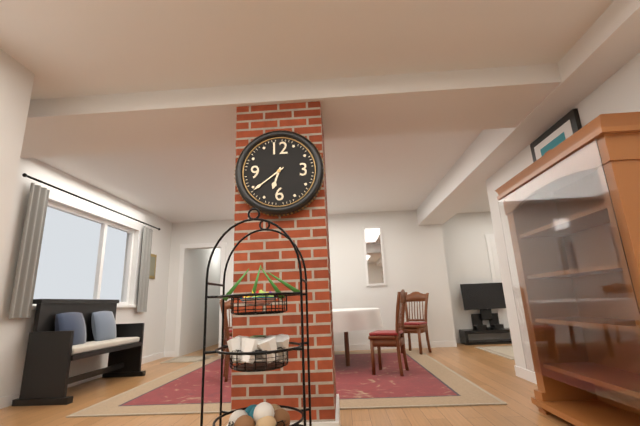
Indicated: **6:39**
